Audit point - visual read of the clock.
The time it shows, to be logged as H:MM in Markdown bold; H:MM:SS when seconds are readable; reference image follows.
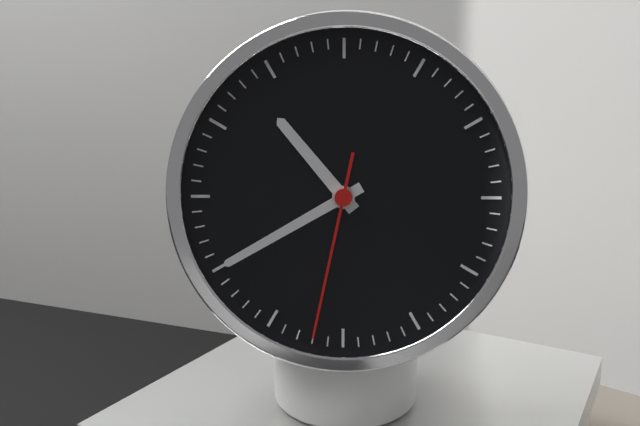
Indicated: **10:40:32**
